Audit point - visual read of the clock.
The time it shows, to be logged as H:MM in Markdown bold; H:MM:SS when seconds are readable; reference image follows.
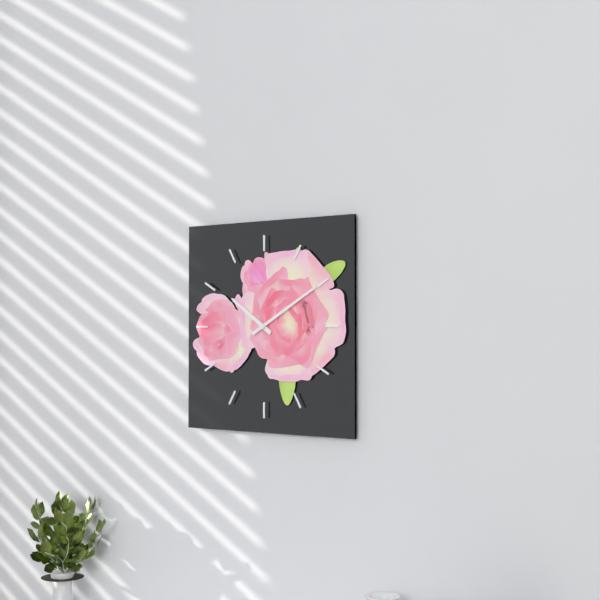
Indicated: **10:10**
